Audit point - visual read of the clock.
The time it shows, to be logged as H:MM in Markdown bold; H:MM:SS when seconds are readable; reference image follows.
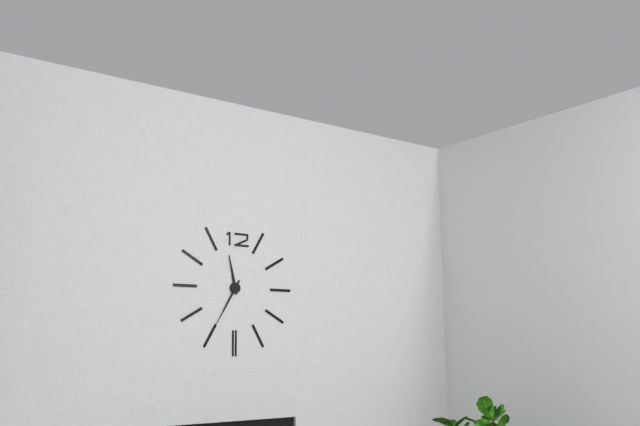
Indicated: **11:35**
